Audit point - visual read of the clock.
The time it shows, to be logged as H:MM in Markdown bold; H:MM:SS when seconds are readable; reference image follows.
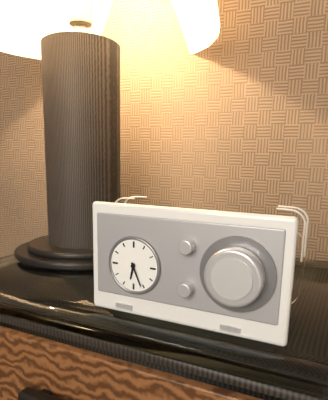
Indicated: **6:26**
